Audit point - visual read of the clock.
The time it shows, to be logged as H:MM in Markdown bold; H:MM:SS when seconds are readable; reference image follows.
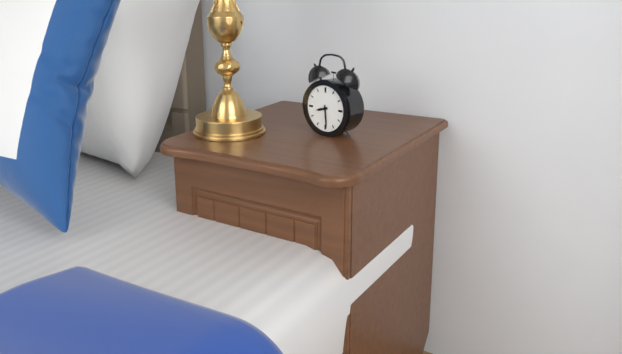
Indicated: **8:29**
